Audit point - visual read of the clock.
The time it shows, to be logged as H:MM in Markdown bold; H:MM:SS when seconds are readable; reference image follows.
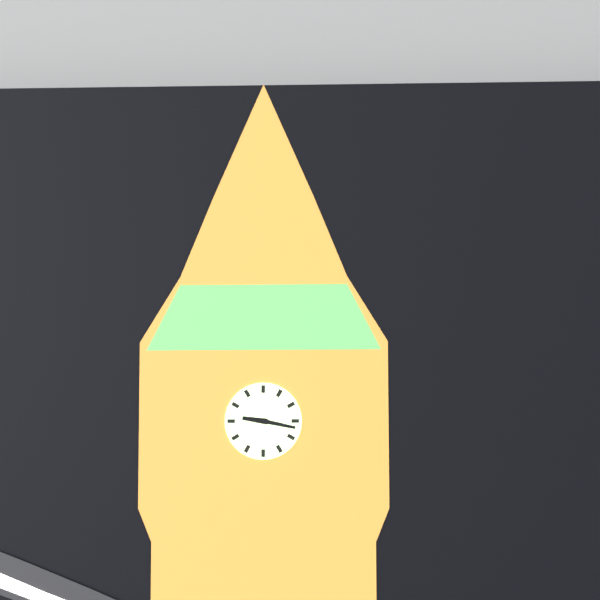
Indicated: **9:17**
